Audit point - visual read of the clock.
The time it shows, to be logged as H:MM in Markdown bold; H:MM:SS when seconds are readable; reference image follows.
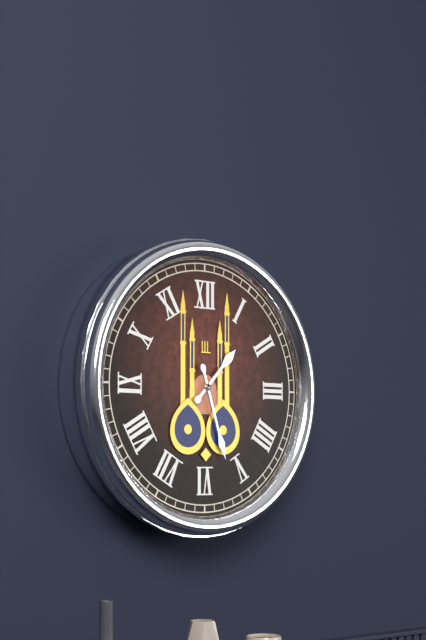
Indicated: **1:27**
